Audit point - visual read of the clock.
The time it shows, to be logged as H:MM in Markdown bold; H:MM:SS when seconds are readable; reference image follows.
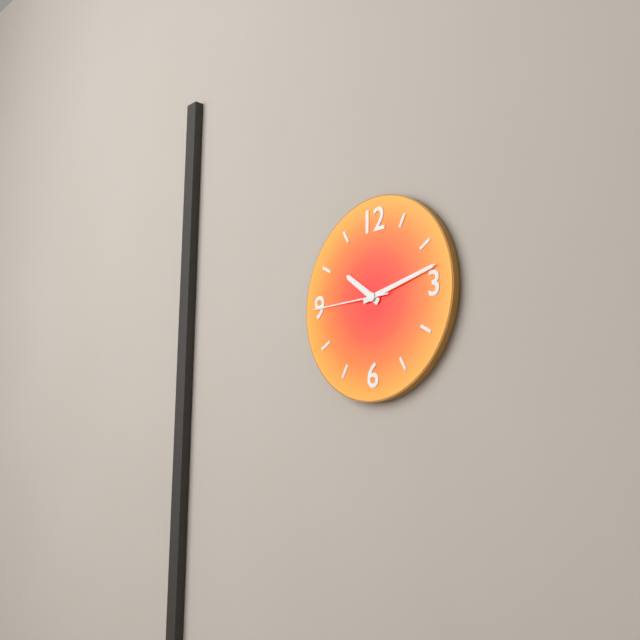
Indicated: **10:13:45**
